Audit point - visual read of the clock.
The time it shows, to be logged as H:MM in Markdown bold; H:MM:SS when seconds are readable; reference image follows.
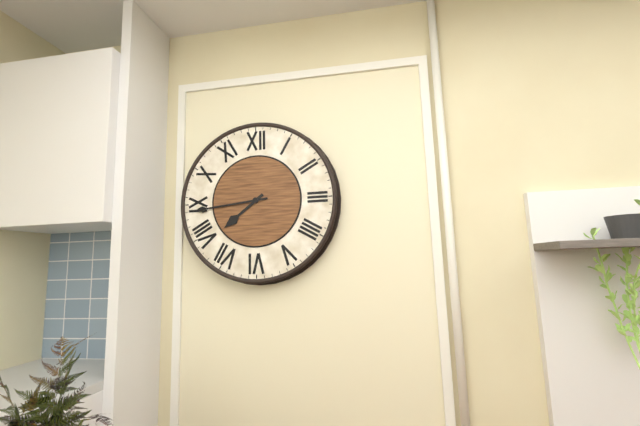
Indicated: **7:44**
